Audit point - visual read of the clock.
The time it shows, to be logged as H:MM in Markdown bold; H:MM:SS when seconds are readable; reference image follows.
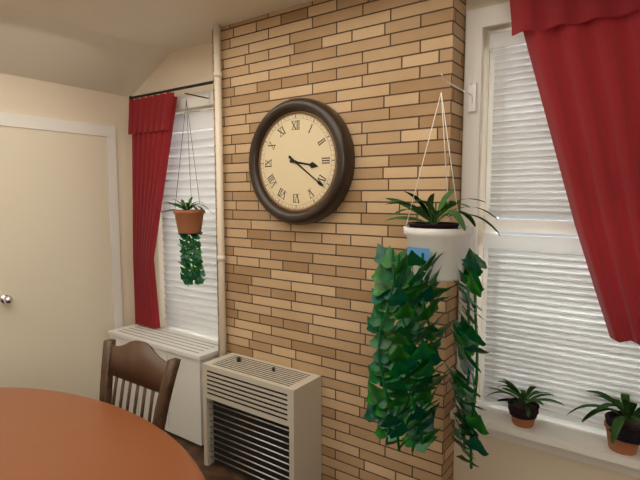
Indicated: **3:21**
